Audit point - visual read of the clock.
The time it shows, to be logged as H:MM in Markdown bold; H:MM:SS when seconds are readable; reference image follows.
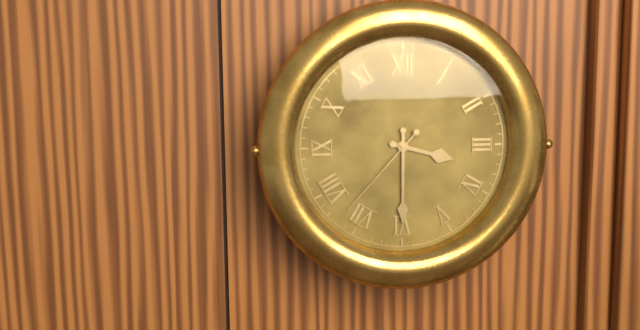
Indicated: **3:30:37**
